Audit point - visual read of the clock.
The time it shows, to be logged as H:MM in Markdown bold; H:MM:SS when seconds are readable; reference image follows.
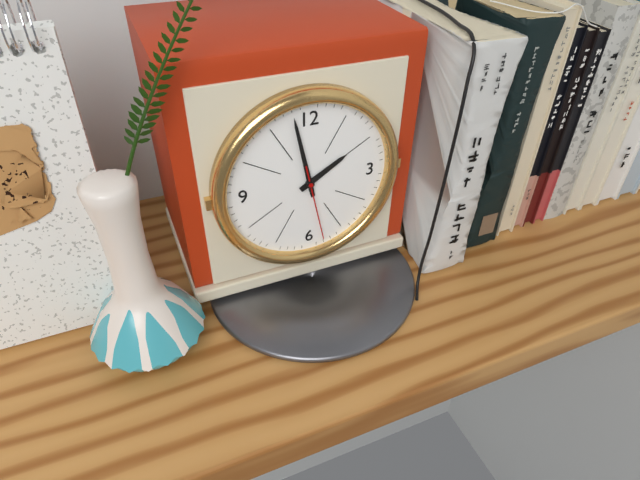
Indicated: **1:58:28**
